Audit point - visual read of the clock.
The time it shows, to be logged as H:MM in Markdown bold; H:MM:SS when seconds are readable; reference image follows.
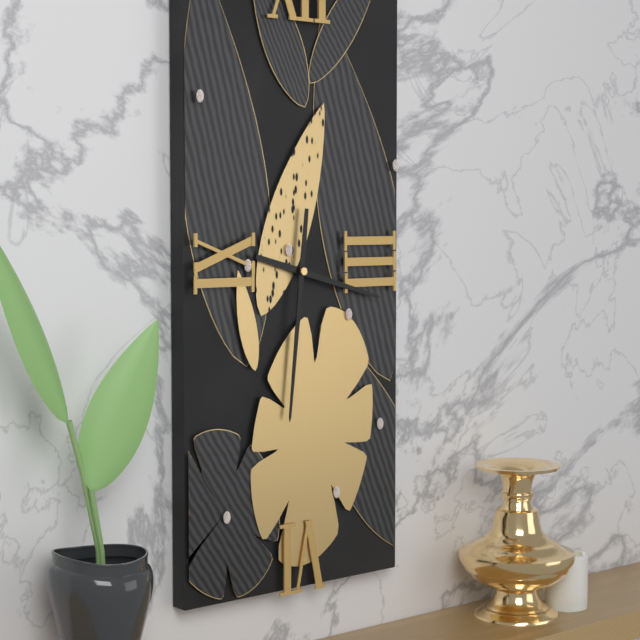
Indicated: **3:31**
